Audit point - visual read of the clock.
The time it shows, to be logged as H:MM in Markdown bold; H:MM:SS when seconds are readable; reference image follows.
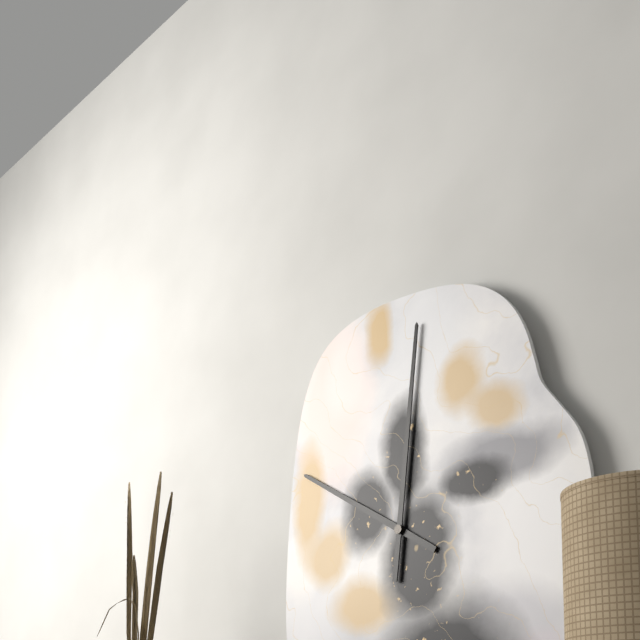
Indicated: **10:01**
